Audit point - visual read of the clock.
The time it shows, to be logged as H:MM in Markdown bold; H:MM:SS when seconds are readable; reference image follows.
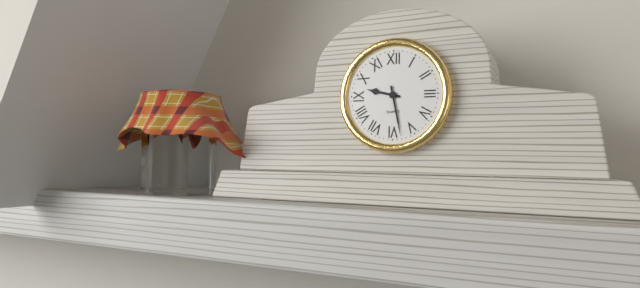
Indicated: **9:28**
